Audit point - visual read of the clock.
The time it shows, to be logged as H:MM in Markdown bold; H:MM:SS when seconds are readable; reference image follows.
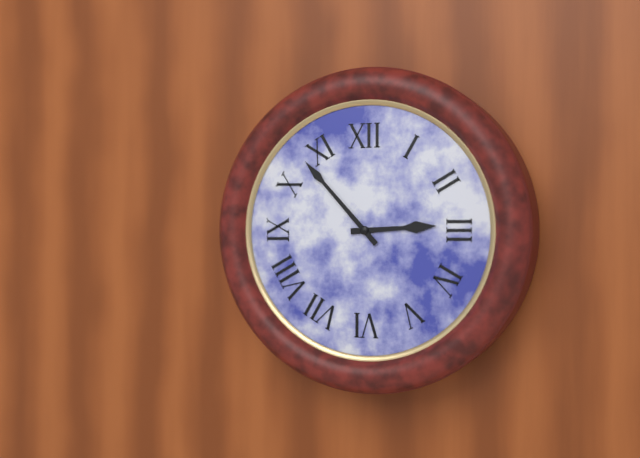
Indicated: **2:53**
